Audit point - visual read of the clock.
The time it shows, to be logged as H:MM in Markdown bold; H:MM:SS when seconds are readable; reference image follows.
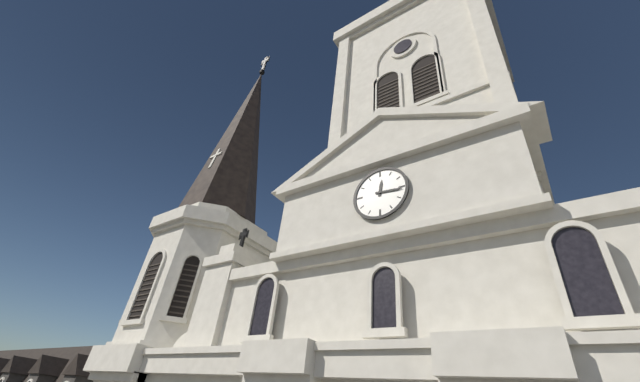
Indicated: **12:16**
